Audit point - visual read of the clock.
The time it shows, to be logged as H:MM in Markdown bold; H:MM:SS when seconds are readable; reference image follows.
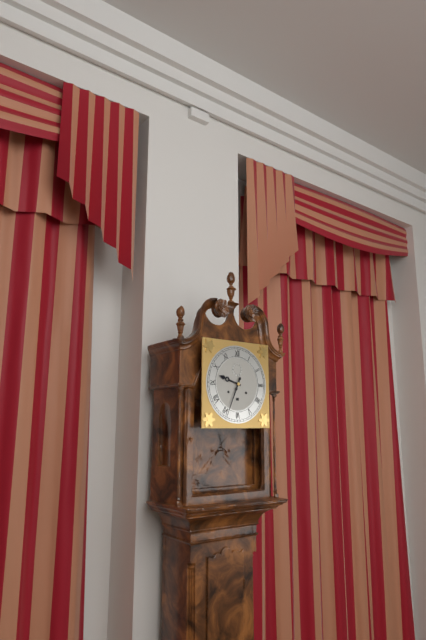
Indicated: **9:34**
